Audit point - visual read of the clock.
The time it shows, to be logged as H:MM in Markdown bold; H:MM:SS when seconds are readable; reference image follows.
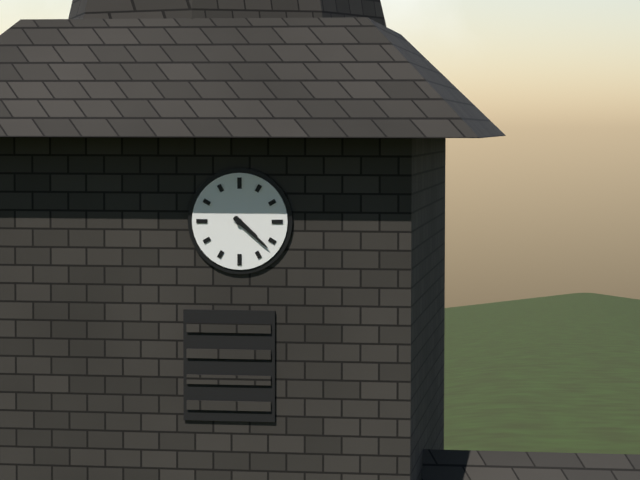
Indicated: **4:22**
